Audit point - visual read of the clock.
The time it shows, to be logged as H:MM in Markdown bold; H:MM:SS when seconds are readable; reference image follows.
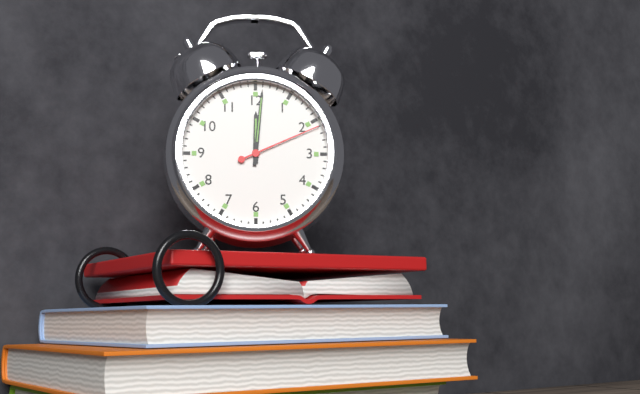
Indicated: **12:01:11**
